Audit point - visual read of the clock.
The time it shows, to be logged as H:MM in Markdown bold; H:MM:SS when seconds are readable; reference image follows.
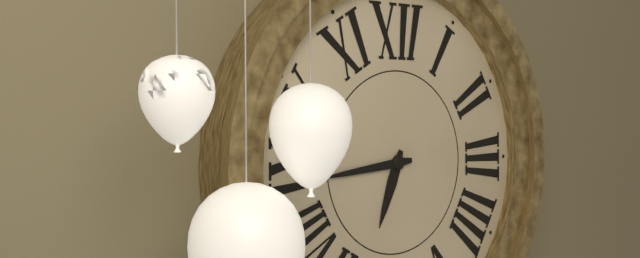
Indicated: **6:44**
